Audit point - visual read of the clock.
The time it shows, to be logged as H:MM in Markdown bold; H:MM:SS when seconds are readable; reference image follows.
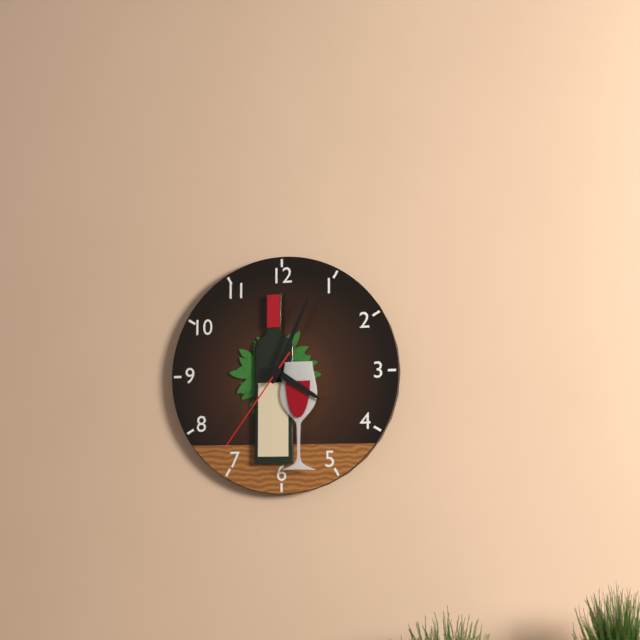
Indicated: **4:04:36**
